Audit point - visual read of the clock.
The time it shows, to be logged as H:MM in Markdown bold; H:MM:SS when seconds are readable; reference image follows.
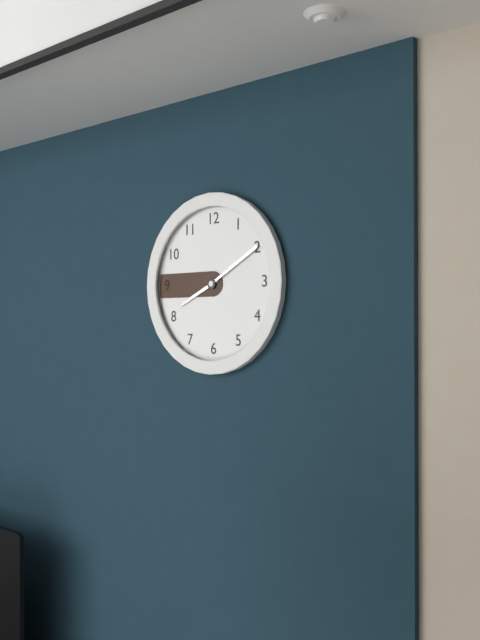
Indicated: **8:10**
